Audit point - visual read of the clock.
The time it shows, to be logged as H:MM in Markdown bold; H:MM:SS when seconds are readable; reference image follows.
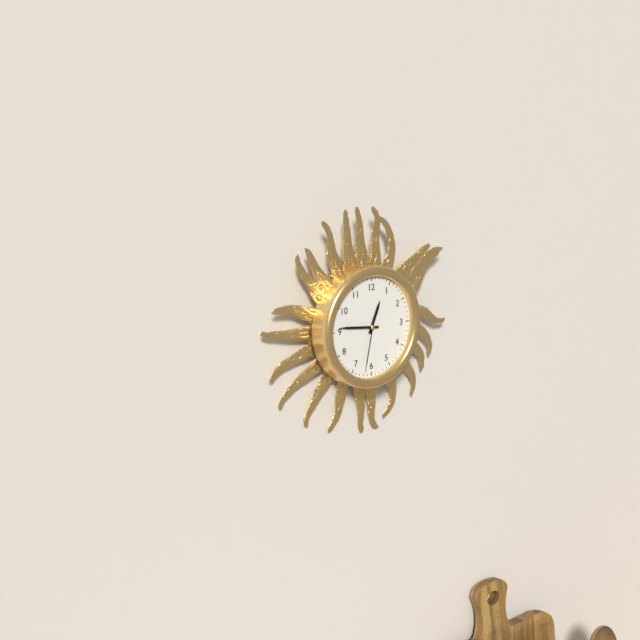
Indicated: **12:46:32**
